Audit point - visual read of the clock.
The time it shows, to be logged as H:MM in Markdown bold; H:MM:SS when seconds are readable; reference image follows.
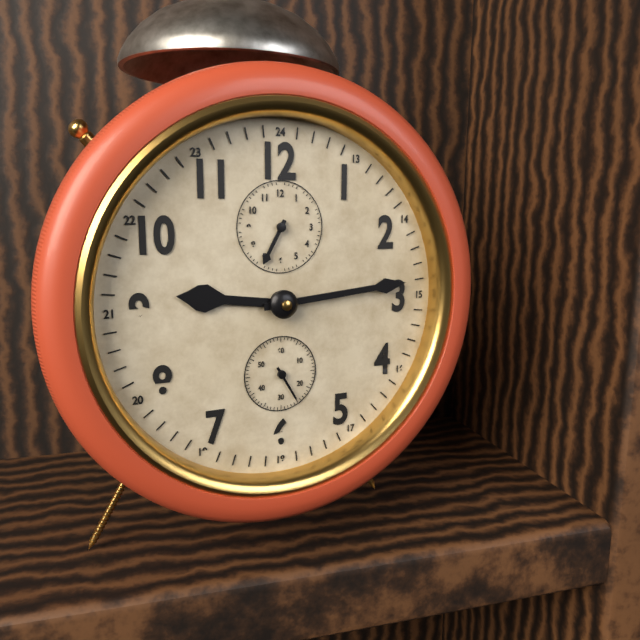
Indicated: **9:14**
